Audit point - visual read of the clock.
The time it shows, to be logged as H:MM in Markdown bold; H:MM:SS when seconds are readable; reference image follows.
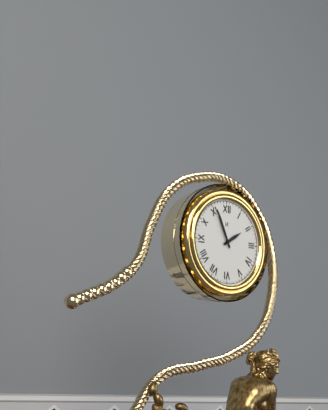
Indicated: **1:56**
